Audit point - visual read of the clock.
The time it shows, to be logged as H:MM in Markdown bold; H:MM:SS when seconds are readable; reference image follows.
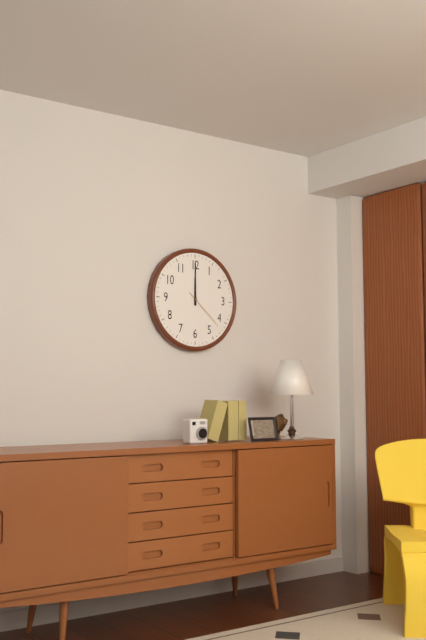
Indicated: **12:00**
